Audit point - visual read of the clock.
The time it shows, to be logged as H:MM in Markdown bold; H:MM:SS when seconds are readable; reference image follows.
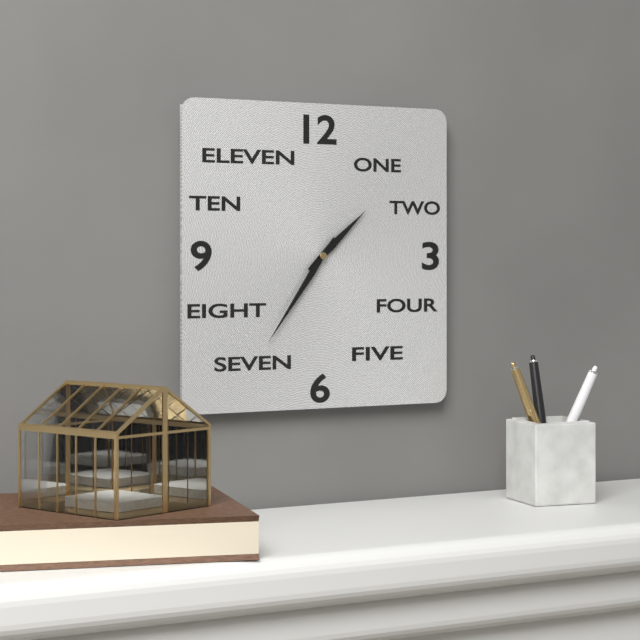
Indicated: **1:36**
